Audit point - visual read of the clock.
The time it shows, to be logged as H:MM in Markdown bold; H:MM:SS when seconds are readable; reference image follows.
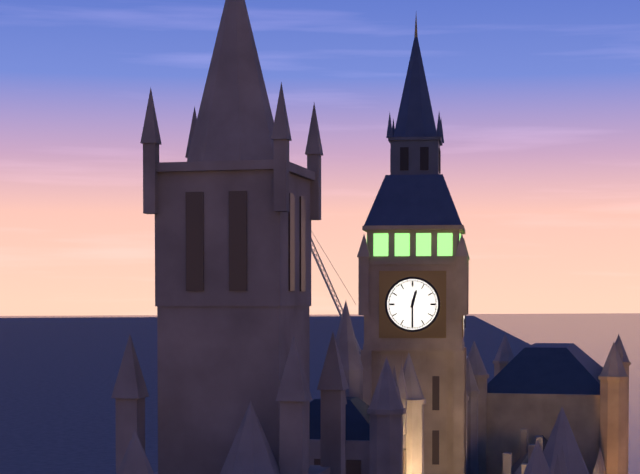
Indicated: **12:30**
